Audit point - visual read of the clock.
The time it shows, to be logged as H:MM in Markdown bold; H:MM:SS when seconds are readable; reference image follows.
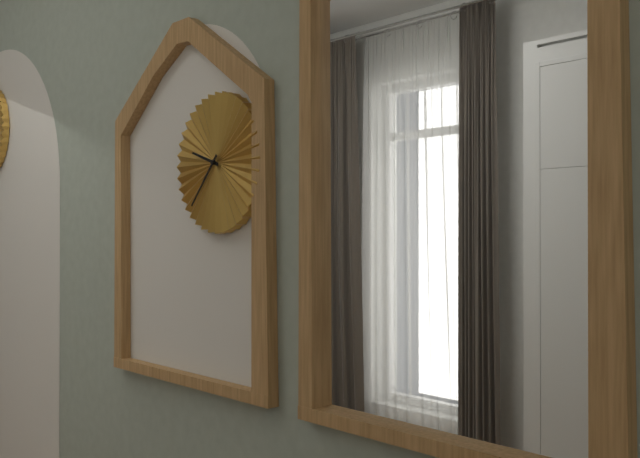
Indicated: **9:37**
